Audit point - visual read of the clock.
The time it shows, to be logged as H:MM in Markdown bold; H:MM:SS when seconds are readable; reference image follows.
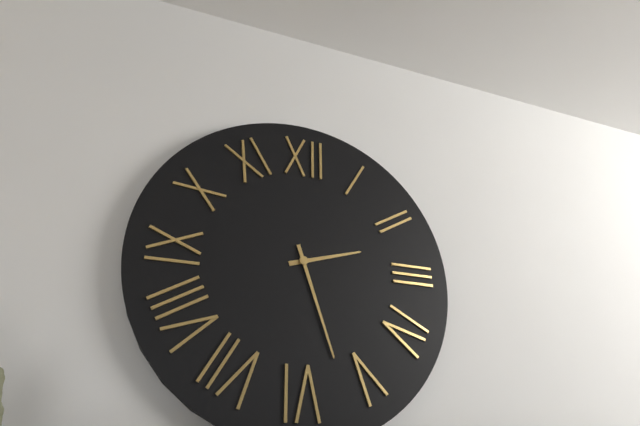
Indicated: **2:27**
